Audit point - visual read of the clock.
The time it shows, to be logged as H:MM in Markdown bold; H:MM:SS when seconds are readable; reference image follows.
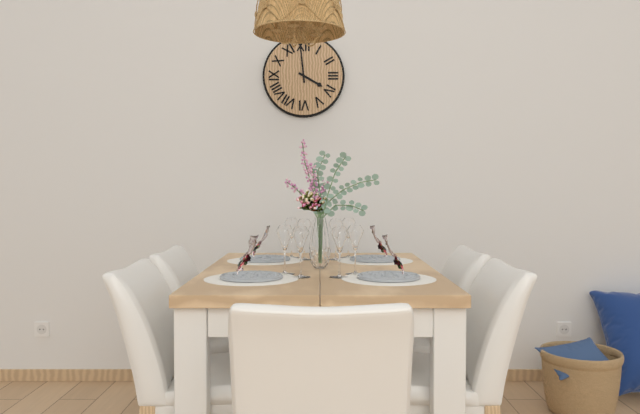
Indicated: **3:59**
